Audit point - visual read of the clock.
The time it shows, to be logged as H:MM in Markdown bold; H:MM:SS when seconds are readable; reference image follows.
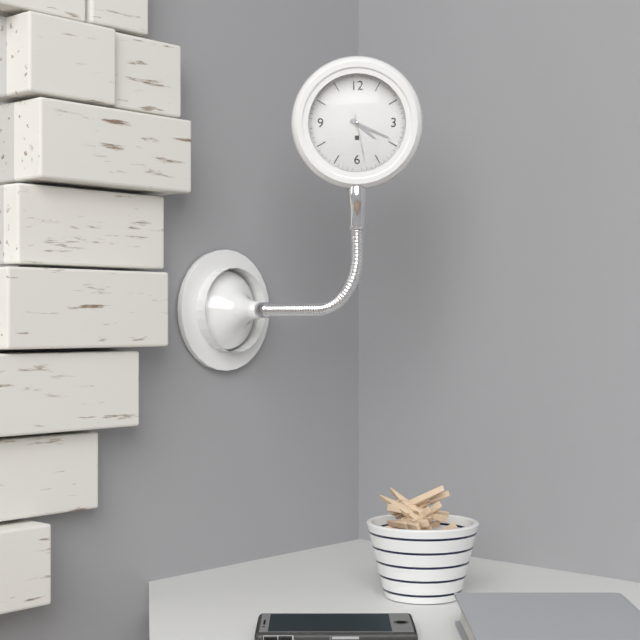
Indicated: **4:19**
